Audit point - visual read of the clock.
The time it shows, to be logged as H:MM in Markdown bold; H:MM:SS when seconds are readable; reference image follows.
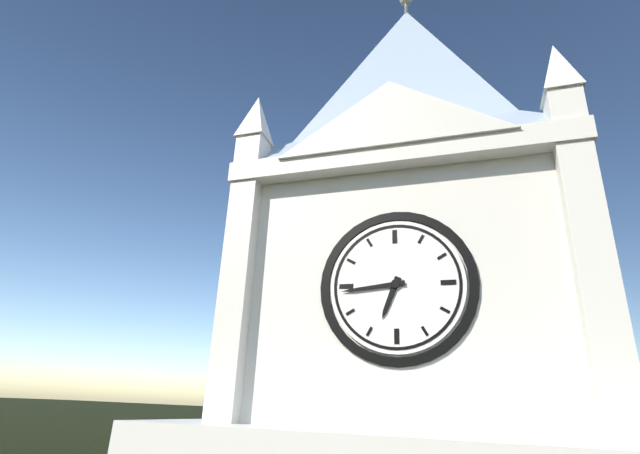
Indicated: **6:44**
